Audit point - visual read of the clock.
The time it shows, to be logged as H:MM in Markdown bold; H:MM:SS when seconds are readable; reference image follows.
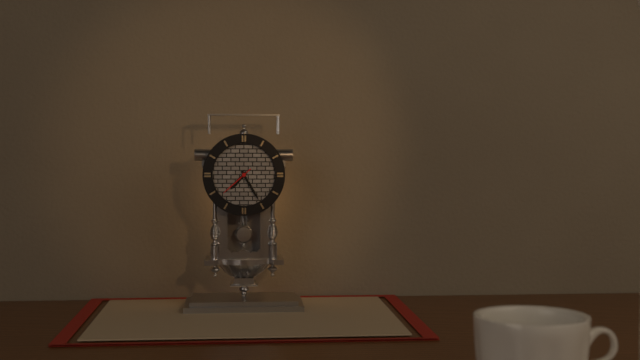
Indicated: **7:25**
